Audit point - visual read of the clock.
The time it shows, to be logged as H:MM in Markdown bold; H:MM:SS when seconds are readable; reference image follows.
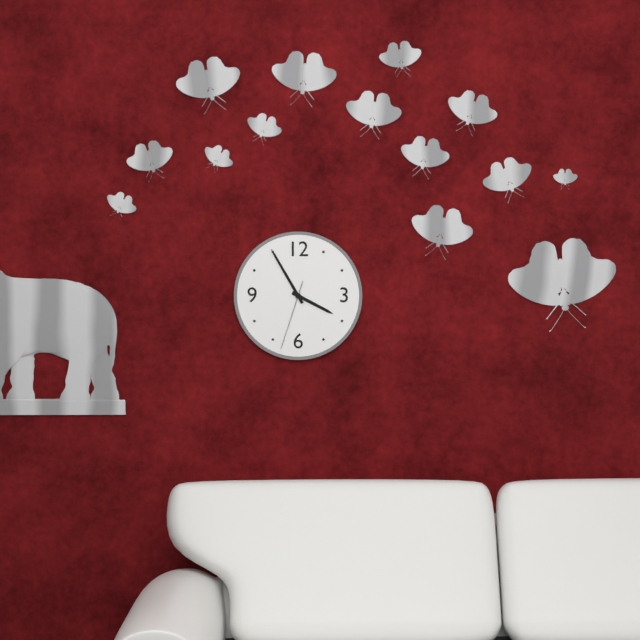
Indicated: **3:55:33**
